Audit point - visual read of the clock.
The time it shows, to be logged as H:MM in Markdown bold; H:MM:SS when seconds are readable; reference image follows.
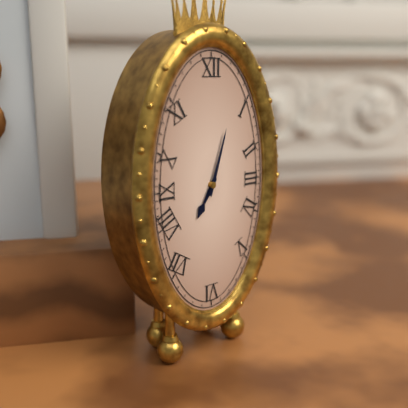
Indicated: **7:03**
